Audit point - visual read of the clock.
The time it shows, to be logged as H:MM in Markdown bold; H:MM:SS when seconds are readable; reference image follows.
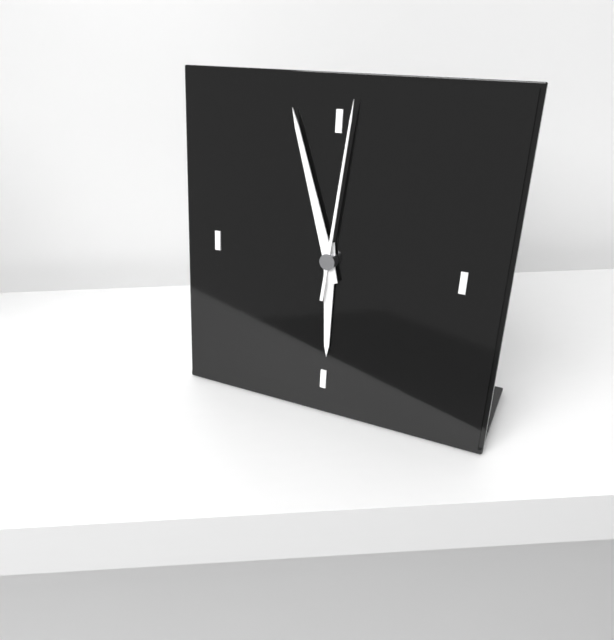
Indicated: **5:57:01**
